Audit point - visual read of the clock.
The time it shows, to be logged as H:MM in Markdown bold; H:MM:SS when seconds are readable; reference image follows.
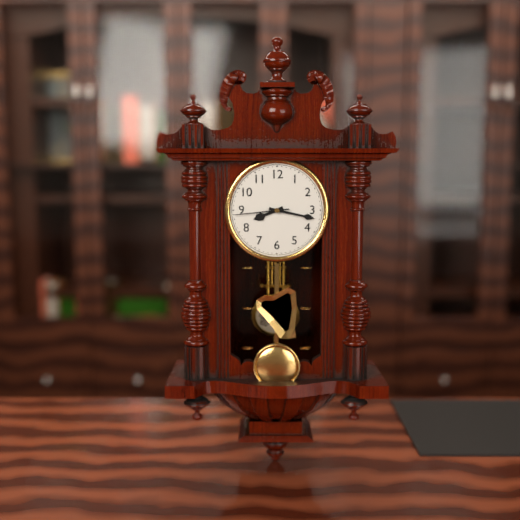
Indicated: **8:17:44**
